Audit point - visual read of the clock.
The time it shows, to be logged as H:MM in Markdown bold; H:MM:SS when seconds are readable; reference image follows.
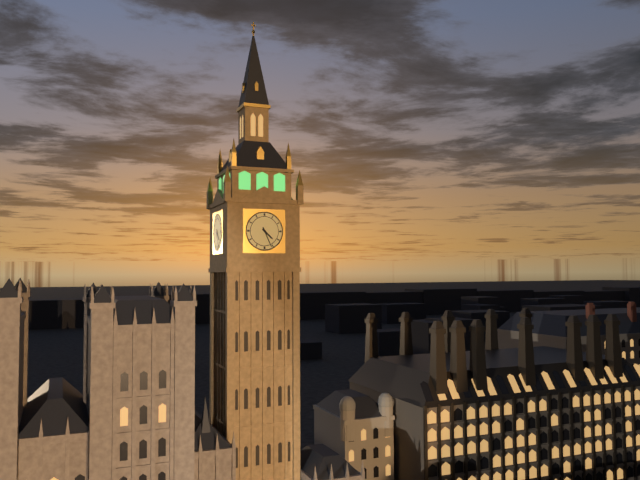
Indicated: **4:26**
